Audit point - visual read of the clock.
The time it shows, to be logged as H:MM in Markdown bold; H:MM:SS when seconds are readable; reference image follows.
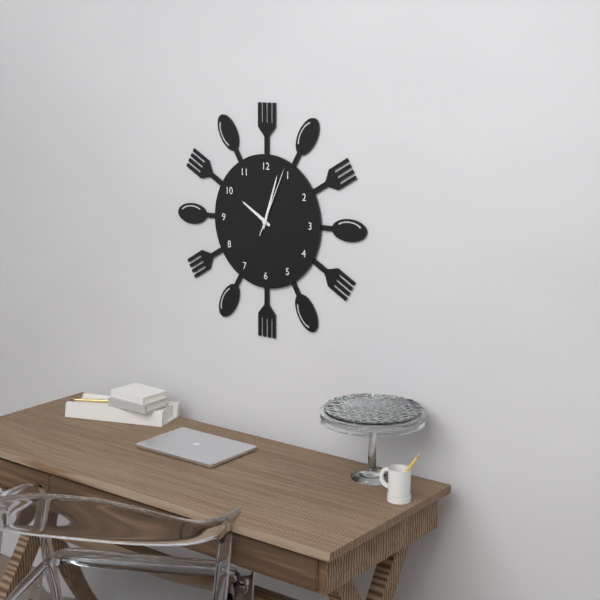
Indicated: **10:03:04**
